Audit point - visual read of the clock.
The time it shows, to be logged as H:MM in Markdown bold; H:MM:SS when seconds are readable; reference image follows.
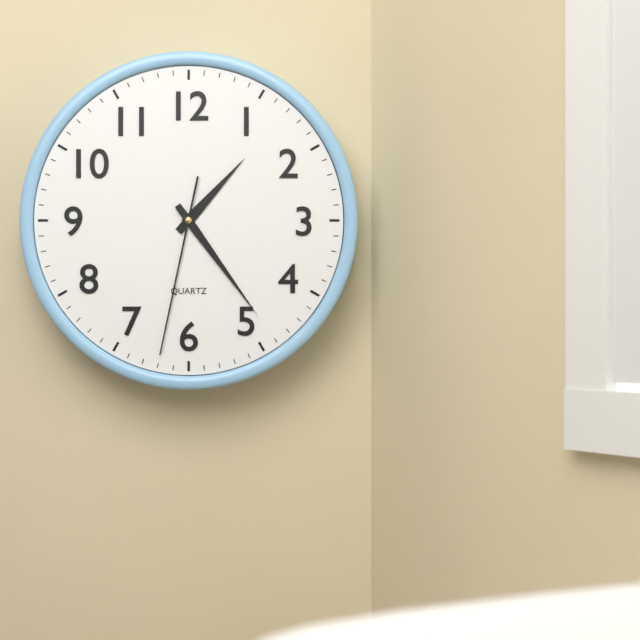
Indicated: **1:24:32**
